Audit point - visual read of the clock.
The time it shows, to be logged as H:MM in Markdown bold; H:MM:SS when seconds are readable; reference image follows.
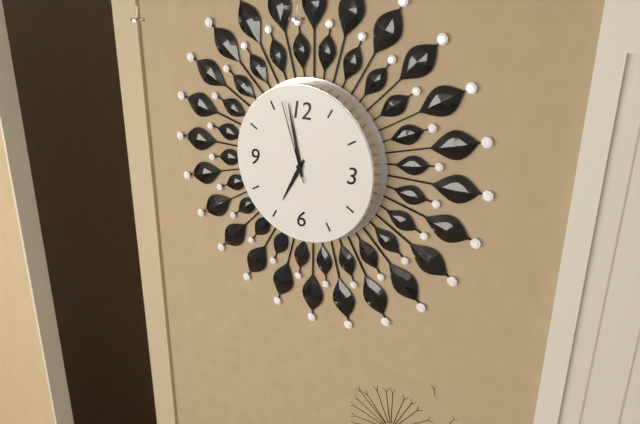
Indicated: **6:58:57**
